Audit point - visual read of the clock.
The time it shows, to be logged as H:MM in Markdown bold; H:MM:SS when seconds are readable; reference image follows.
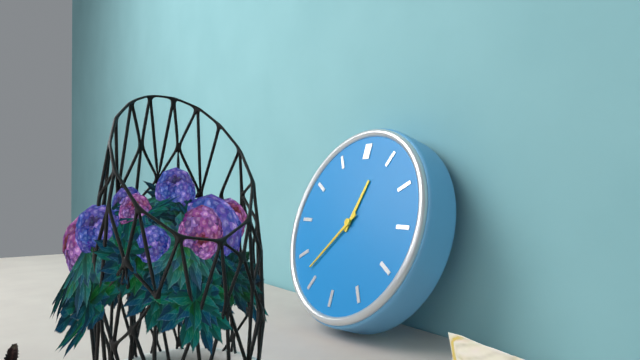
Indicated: **12:37**
